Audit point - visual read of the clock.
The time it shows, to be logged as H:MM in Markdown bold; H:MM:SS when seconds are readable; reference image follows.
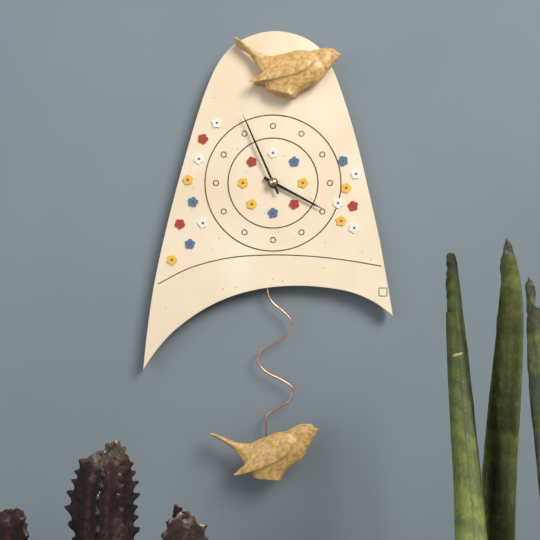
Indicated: **3:56**
